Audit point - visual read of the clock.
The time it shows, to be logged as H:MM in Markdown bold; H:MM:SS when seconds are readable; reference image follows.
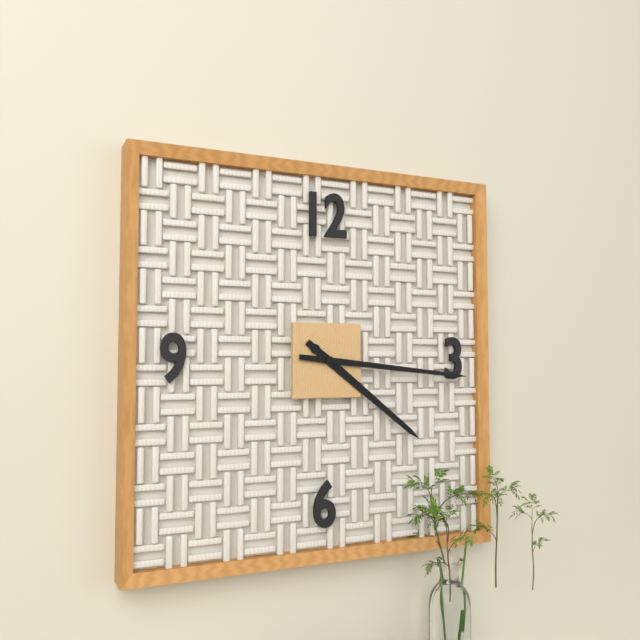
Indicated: **4:16**
